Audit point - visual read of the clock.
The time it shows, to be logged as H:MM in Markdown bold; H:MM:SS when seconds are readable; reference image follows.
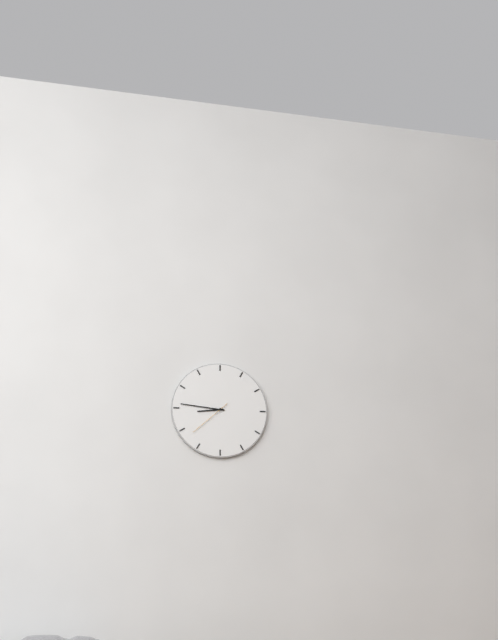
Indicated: **8:46**
